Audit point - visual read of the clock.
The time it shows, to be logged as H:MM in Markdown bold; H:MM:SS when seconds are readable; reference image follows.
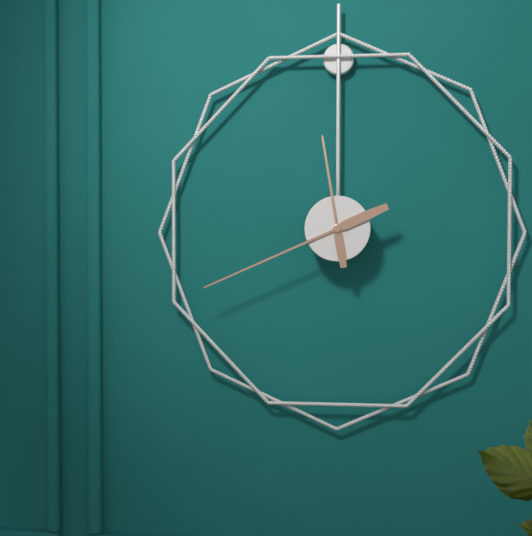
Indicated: **11:41**
